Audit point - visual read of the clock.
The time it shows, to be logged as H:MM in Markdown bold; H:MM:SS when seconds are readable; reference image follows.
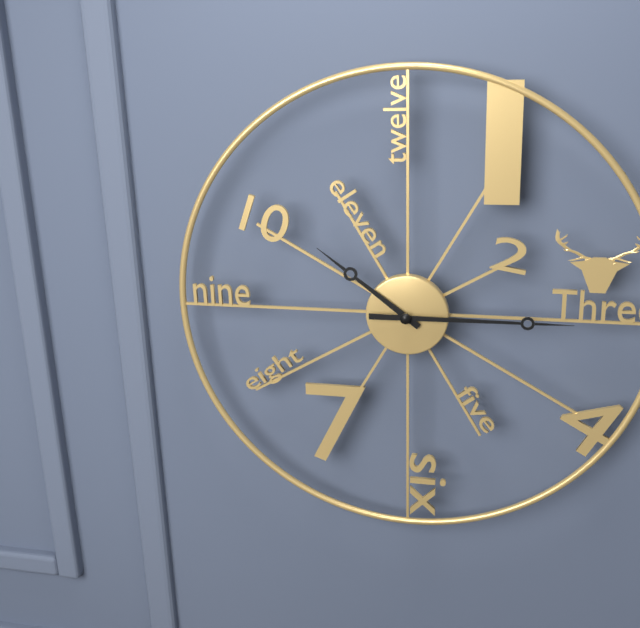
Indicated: **10:15**
